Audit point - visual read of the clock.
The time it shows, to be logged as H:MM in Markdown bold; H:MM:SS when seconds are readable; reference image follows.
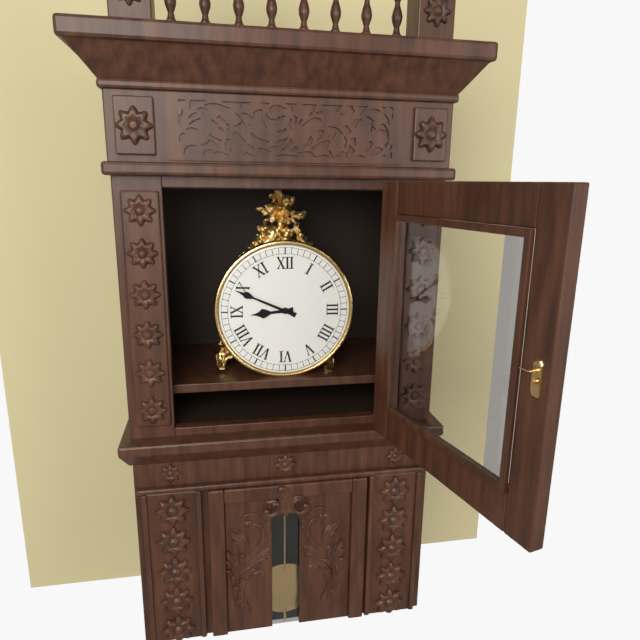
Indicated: **8:49**
